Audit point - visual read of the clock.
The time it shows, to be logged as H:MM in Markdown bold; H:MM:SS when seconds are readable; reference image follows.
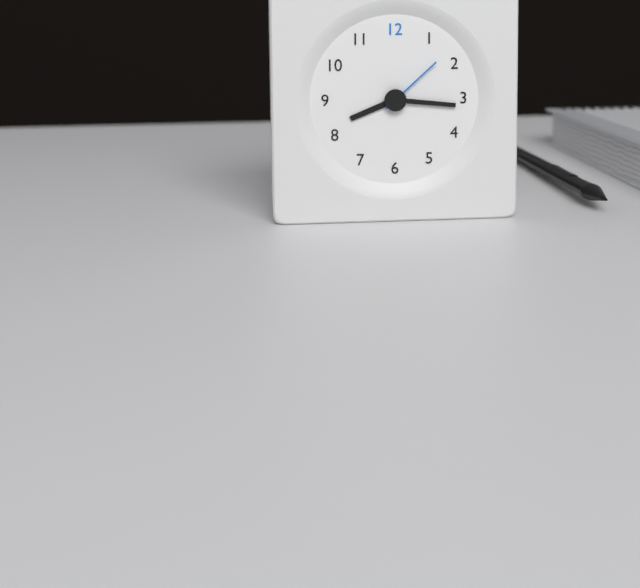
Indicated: **8:16:08**
